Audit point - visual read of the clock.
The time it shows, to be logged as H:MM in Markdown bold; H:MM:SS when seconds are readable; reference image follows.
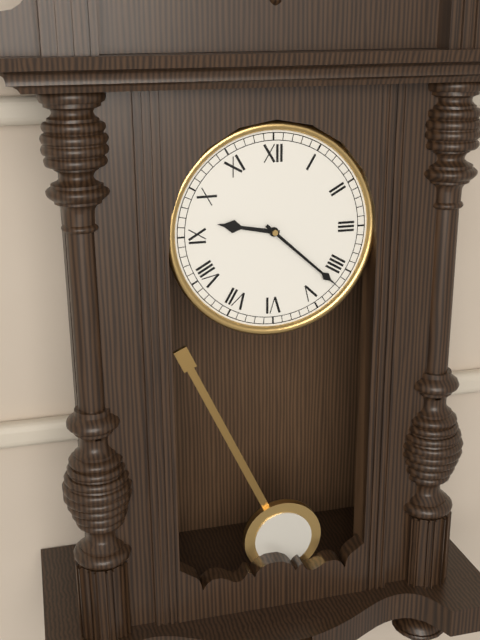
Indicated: **9:22**
